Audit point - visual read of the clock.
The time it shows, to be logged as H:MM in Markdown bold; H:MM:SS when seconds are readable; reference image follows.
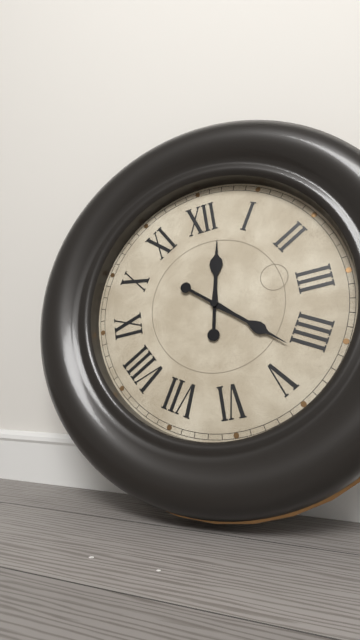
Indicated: **12:22**
